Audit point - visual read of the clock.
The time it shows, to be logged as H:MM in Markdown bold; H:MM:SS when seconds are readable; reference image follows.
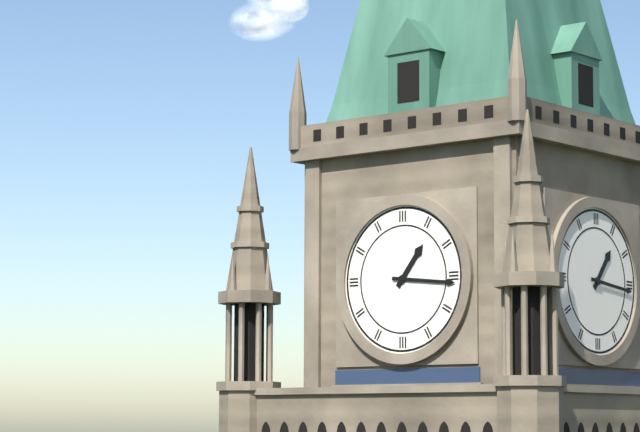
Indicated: **1:16**
